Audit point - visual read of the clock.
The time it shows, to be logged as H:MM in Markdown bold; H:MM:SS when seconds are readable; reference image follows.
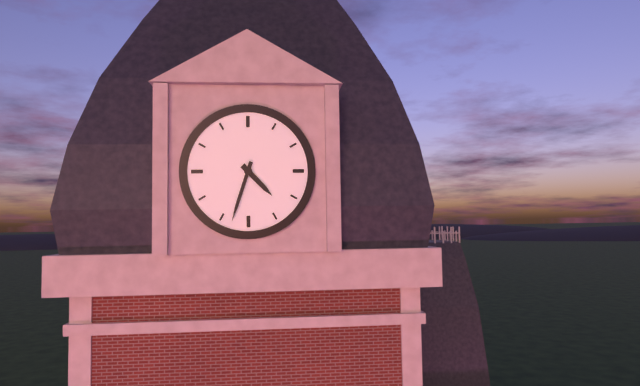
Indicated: **4:33**
